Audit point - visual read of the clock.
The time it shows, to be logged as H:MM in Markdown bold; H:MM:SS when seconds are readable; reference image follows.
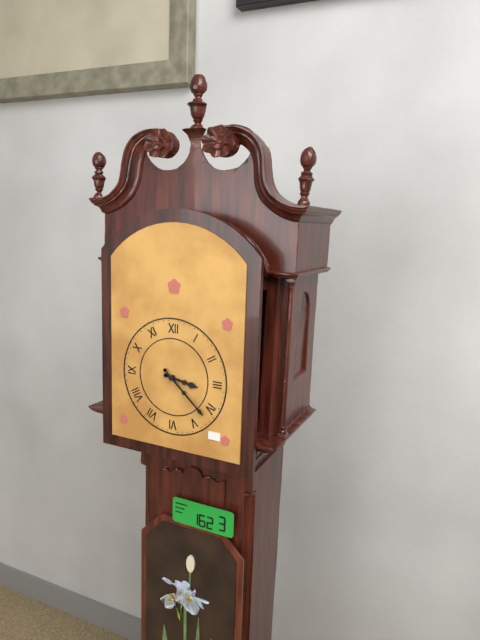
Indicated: **3:22**
